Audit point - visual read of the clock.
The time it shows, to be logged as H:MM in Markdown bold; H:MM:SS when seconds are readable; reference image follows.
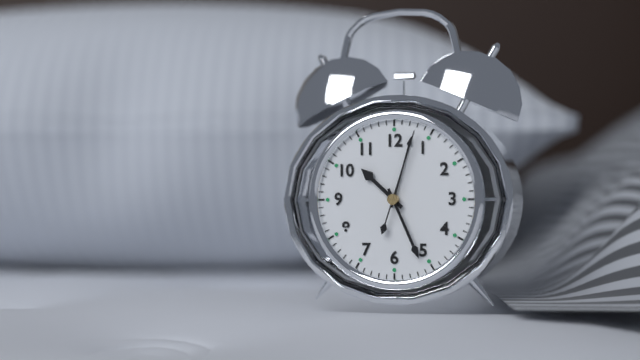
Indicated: **10:26:03**
